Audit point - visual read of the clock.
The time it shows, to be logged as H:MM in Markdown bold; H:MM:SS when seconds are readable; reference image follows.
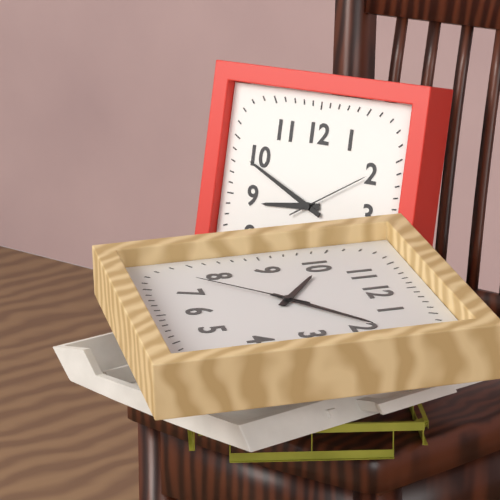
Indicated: **8:49:10**
